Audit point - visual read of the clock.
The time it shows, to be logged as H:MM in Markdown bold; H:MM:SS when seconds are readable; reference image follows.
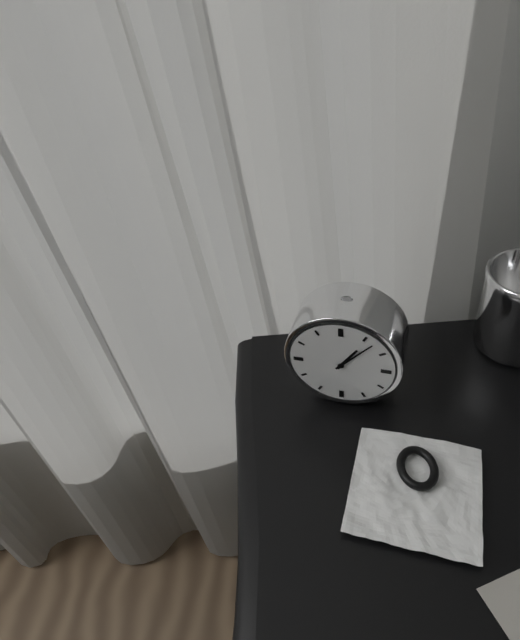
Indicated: **1:07**
